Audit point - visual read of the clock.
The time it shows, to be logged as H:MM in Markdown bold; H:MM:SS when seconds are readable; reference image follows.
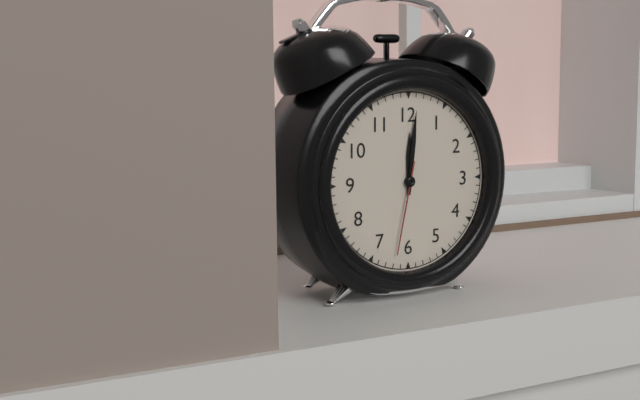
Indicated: **12:01:32**
